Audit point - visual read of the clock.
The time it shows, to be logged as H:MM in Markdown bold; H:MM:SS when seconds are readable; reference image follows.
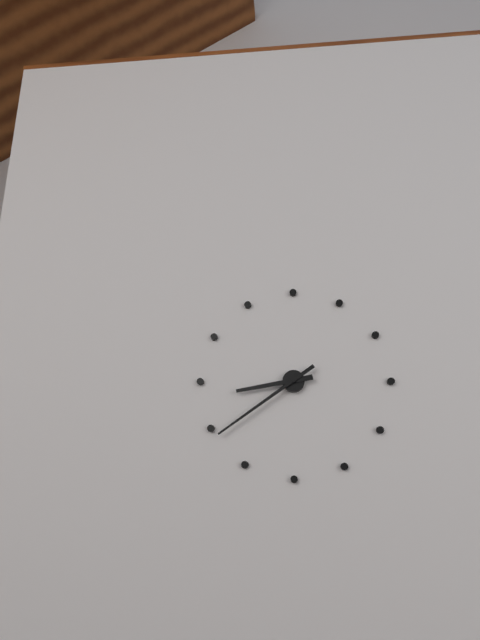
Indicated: **8:39**
